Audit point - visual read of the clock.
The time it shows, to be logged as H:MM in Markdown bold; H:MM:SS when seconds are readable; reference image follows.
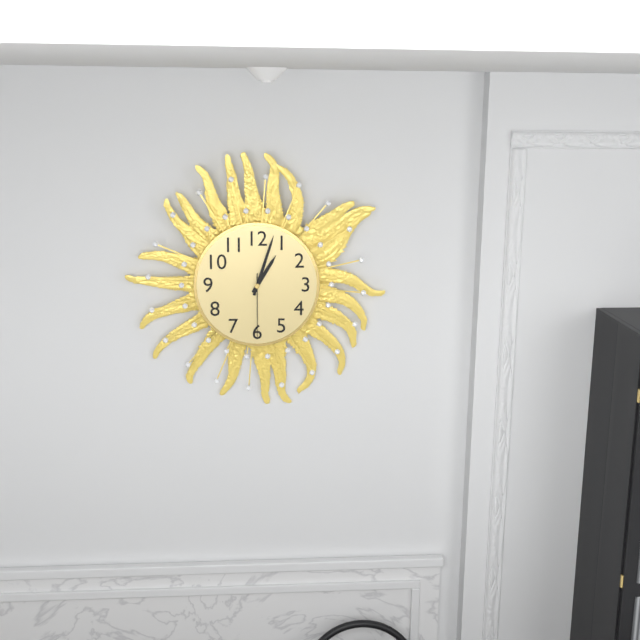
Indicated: **1:03:30**
